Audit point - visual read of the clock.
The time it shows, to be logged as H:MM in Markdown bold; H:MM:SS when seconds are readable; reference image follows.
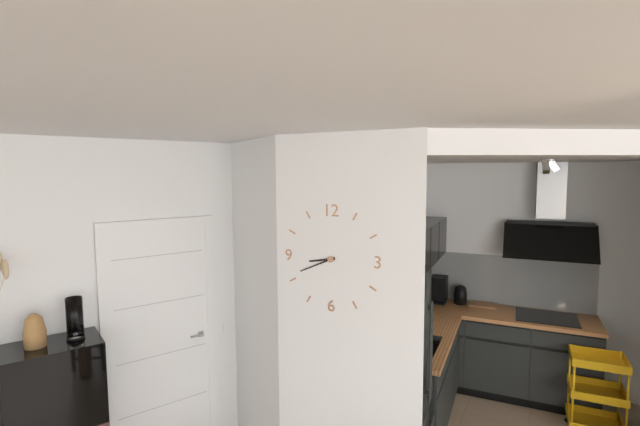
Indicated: **8:41**
